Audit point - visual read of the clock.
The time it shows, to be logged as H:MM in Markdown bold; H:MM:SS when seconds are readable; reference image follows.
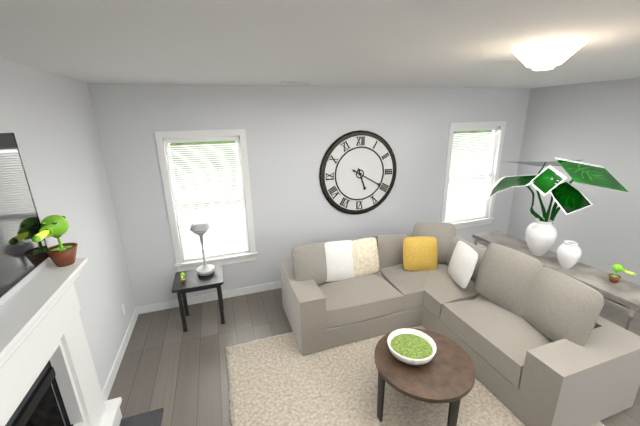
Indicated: **5:20**
